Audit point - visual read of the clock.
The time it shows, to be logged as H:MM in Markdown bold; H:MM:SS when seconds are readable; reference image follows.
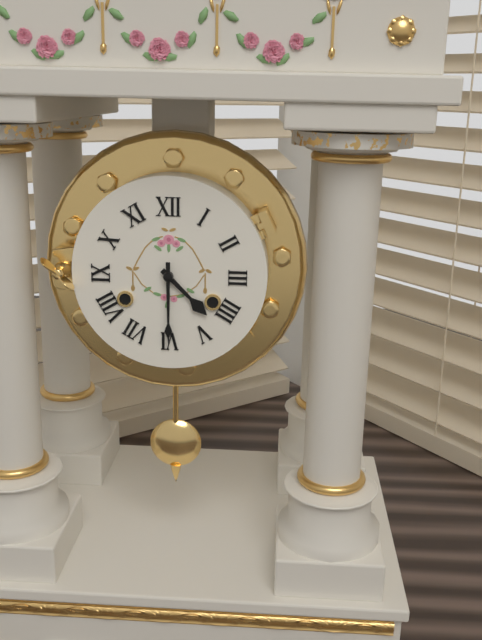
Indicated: **4:30**
